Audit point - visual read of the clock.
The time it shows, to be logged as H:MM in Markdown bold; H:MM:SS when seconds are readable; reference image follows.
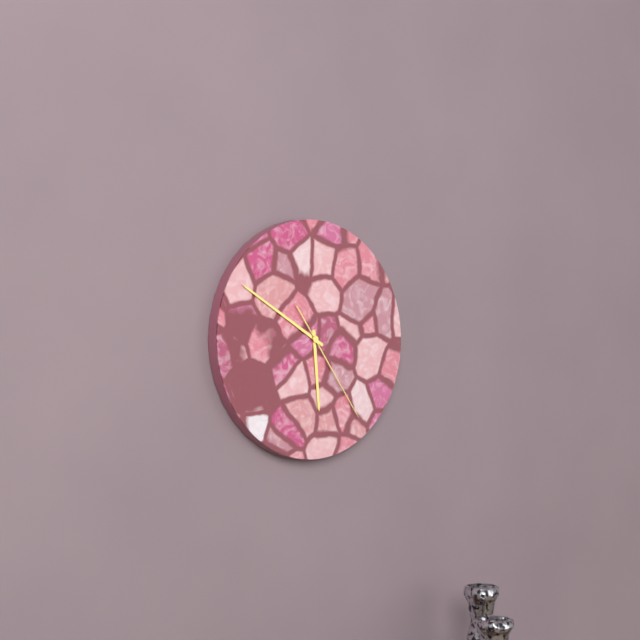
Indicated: **5:50:24**
